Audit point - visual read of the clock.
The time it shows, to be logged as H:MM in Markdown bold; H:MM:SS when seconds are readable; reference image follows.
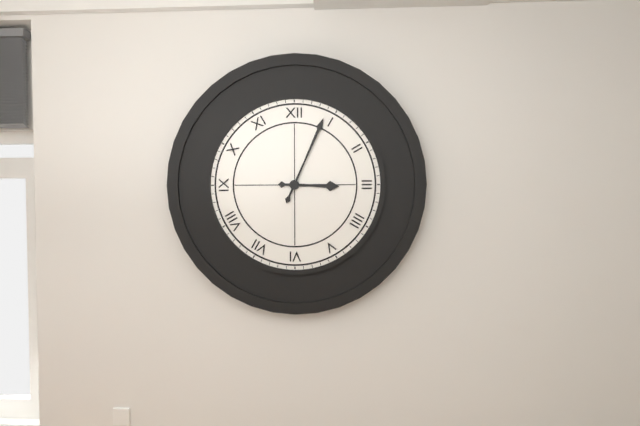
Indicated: **3:04**
